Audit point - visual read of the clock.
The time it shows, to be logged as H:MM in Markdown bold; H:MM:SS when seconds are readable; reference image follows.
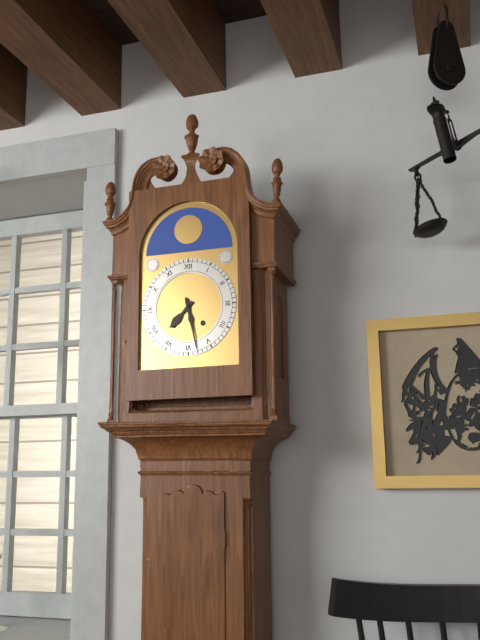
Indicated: **7:28**
